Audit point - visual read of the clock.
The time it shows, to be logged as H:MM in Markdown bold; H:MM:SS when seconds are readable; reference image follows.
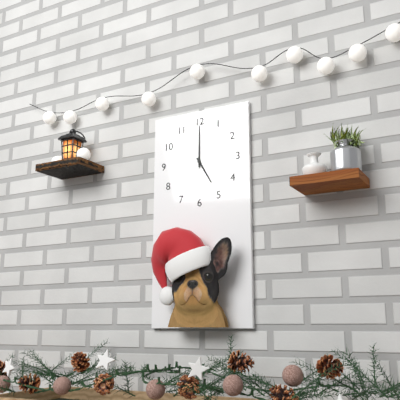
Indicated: **5:00**
